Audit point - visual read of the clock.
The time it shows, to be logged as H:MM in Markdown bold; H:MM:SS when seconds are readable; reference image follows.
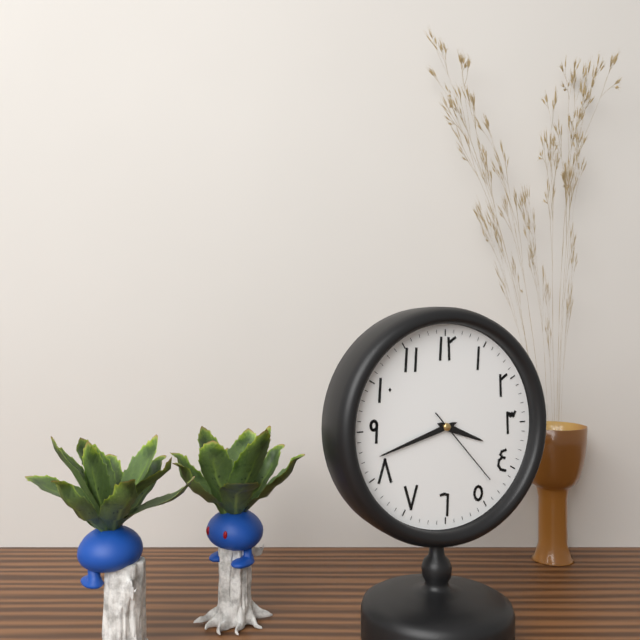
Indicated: **3:42:23**
